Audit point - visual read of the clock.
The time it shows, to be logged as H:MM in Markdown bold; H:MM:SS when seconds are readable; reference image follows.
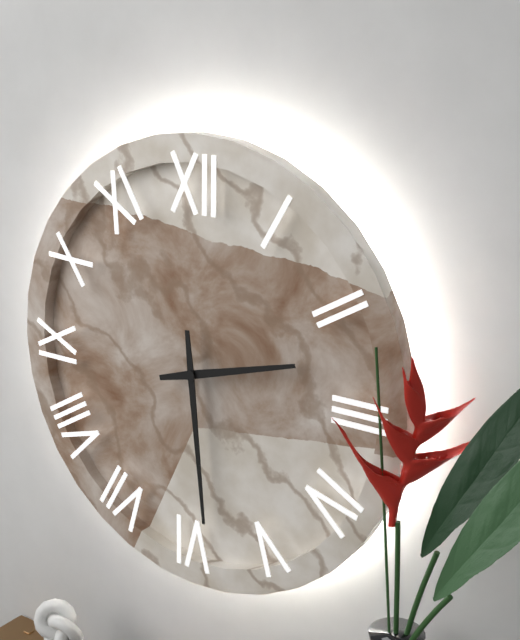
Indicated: **2:29**
